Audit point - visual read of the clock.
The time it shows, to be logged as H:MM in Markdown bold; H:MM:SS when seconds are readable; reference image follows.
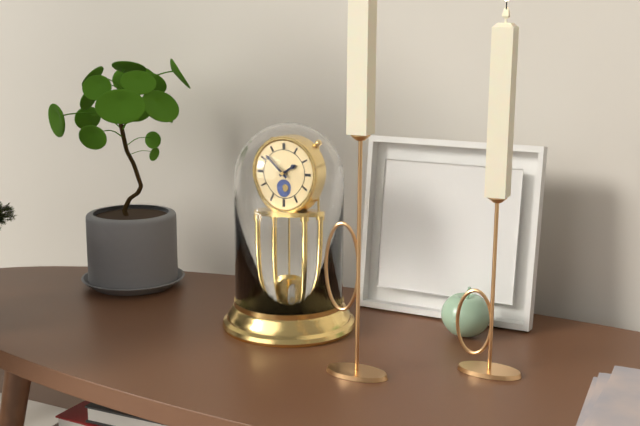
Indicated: **1:52**
